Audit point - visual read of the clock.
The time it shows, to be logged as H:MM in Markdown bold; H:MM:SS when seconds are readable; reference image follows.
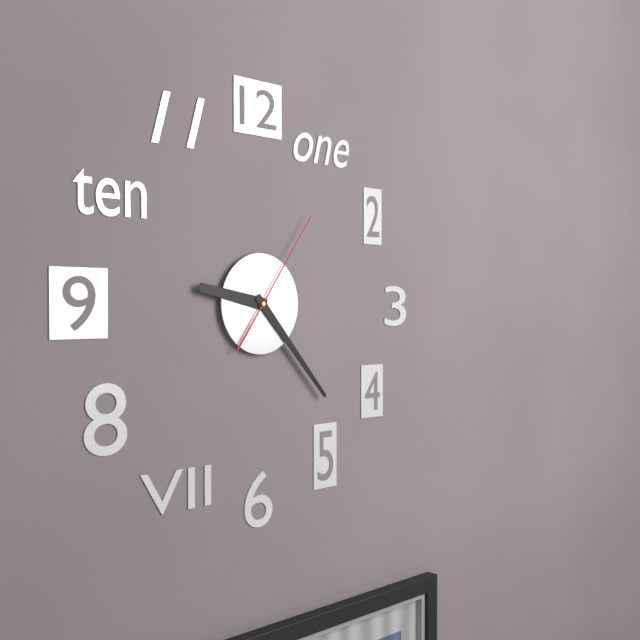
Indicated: **9:23:06**
